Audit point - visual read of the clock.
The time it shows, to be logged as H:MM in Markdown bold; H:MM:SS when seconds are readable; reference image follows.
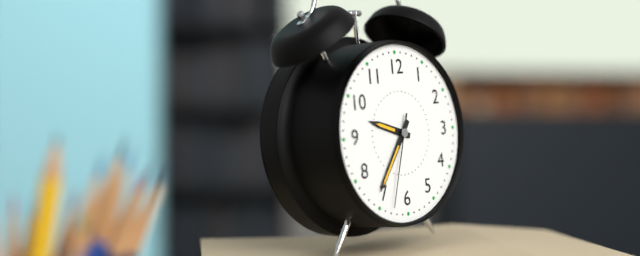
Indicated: **9:36:33**
